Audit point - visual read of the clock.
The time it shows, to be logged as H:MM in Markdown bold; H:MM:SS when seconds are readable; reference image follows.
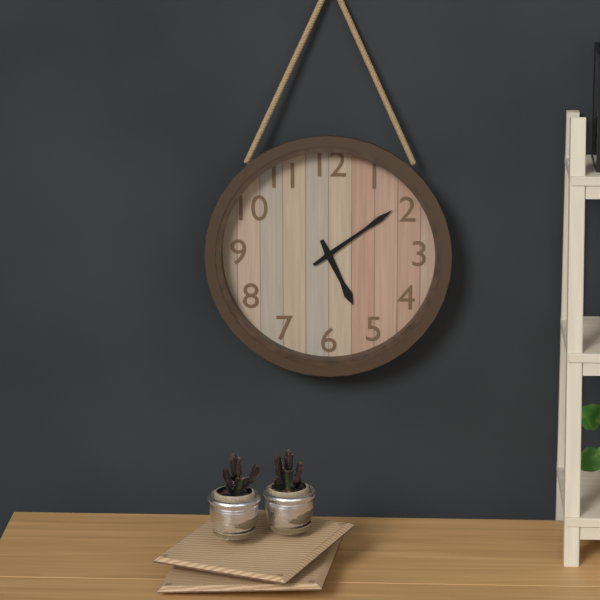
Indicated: **5:09**
